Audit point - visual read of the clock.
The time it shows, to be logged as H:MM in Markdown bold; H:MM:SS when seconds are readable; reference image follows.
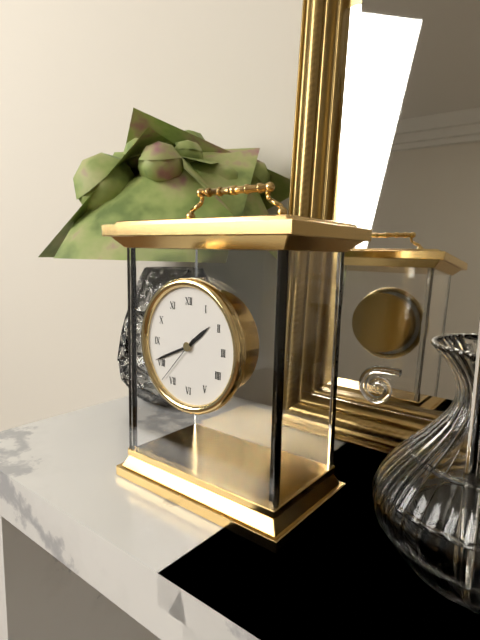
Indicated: **1:41:37**
